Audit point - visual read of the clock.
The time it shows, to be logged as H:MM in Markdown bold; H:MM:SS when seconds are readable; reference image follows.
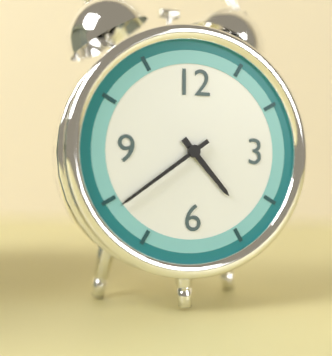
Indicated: **4:39**
